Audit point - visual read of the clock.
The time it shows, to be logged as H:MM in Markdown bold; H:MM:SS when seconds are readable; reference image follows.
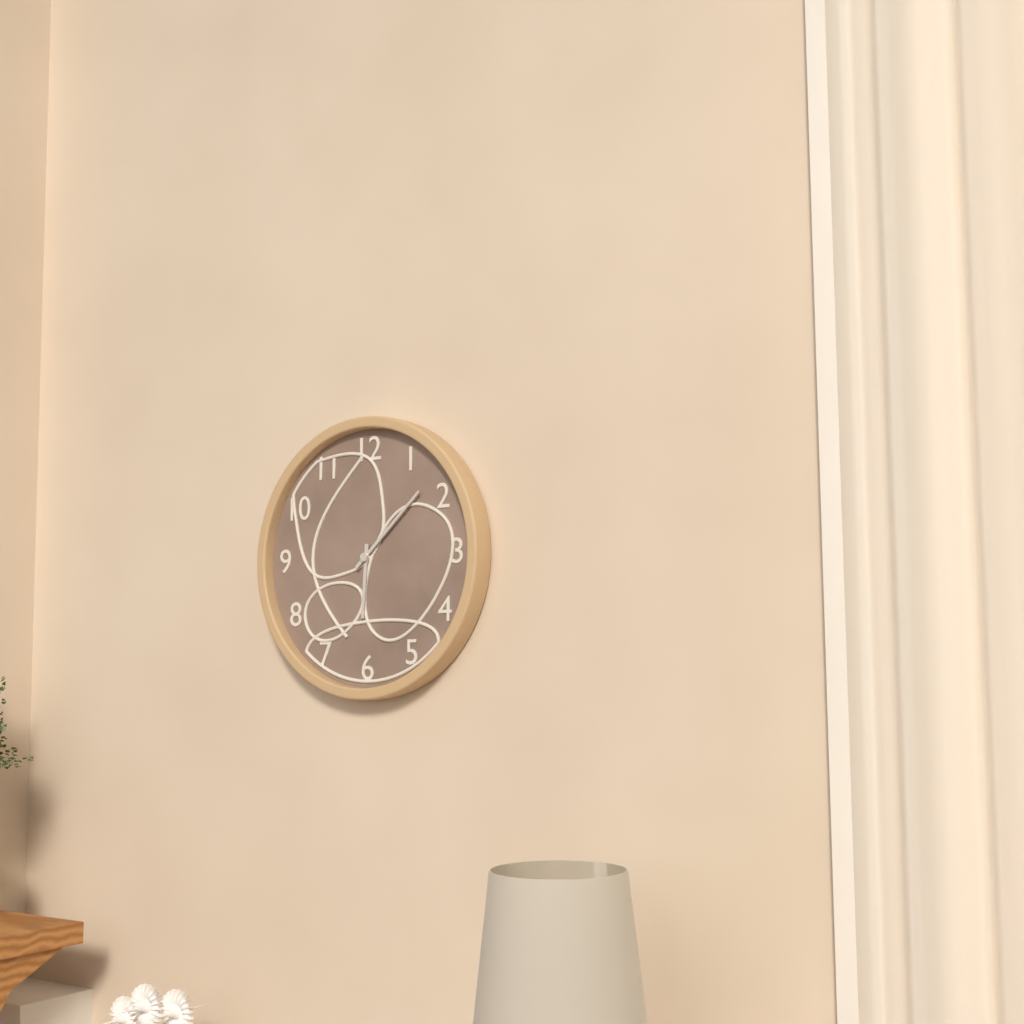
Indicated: **6:08**
